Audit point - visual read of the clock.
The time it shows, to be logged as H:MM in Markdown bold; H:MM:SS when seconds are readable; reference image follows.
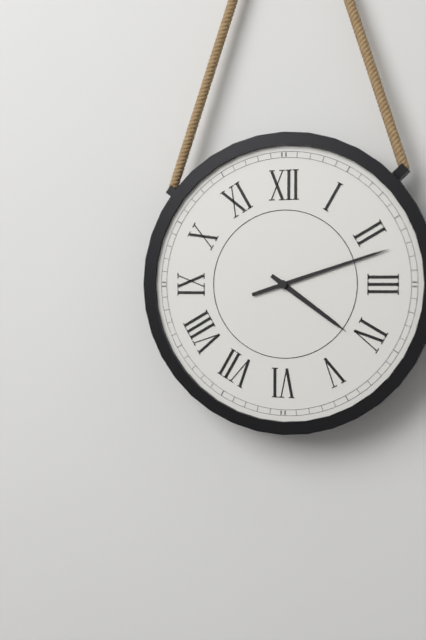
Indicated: **4:12**
